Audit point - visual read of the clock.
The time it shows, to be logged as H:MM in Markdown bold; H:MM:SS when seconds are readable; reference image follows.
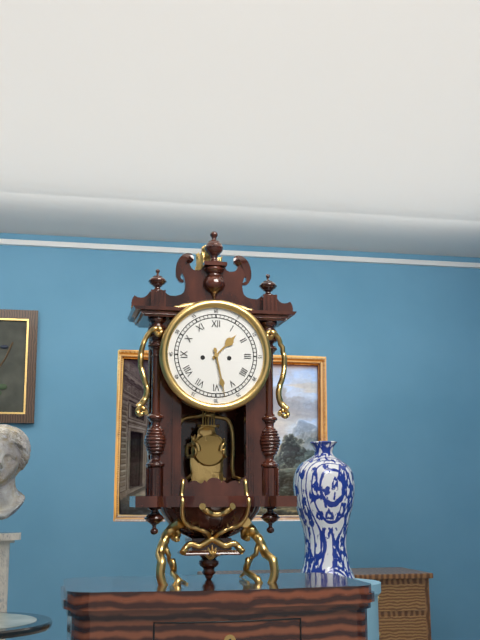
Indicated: **1:28**
